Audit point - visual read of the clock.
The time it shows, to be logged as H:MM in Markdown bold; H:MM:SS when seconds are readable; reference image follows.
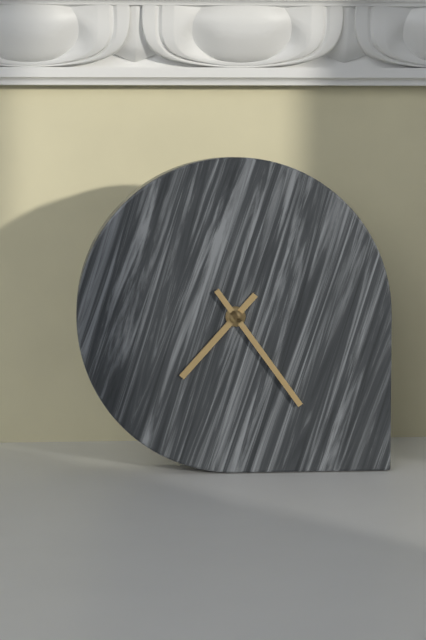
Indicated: **7:24**
